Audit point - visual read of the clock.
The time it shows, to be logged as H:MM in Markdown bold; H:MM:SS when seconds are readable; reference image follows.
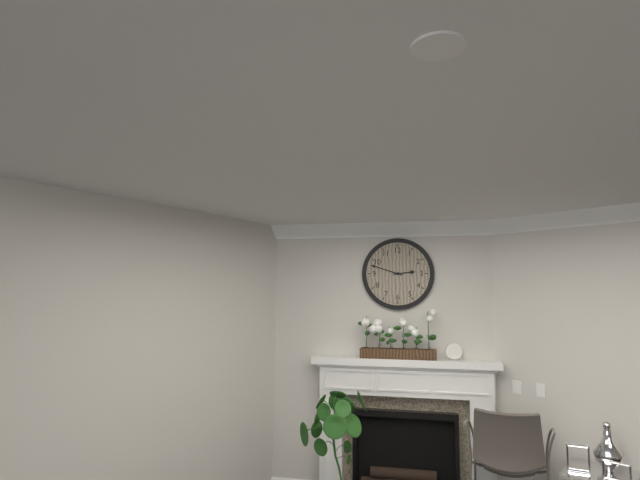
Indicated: **2:48**
